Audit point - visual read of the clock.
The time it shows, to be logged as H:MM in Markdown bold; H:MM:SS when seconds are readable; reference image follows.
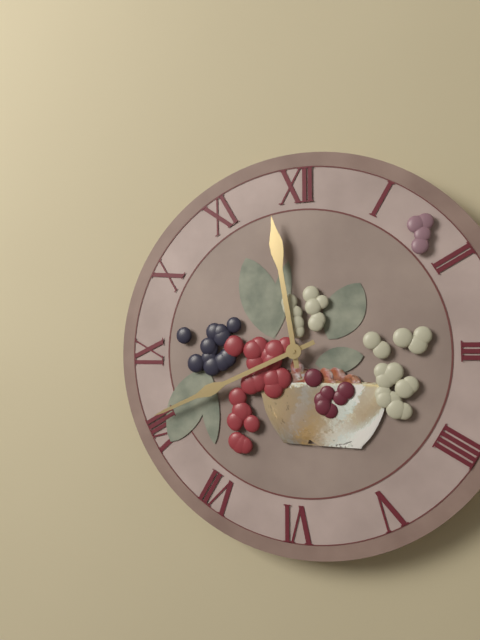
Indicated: **11:41**
